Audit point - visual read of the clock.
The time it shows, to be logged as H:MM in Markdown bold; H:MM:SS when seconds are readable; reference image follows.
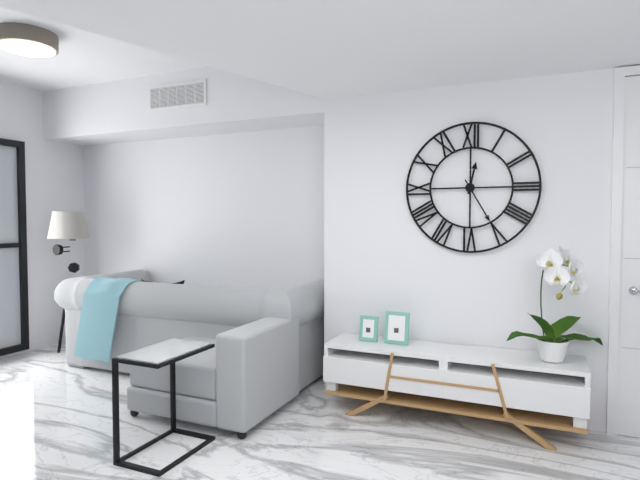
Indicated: **12:25**
